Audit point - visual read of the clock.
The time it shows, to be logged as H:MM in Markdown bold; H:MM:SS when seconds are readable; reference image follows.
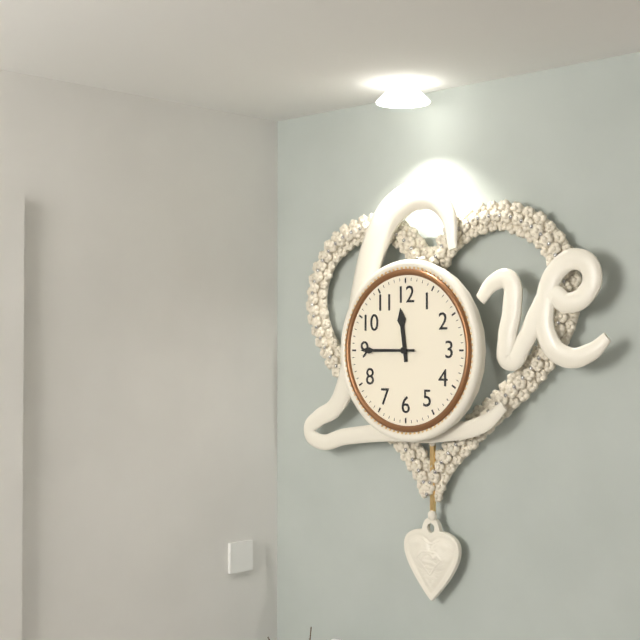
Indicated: **11:45**
